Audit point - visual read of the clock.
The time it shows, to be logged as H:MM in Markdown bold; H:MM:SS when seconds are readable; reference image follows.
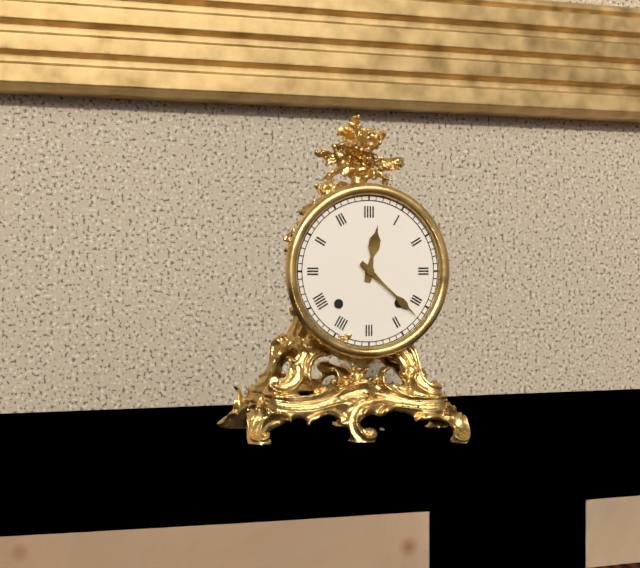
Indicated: **12:22**
